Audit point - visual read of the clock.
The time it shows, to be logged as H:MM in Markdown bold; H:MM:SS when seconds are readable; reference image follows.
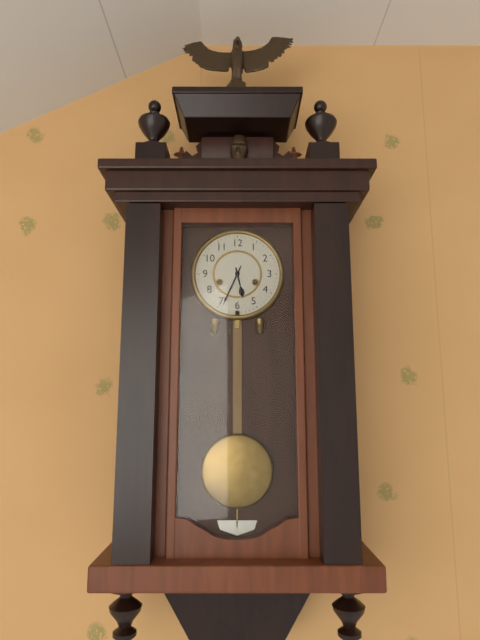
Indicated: **5:34**
